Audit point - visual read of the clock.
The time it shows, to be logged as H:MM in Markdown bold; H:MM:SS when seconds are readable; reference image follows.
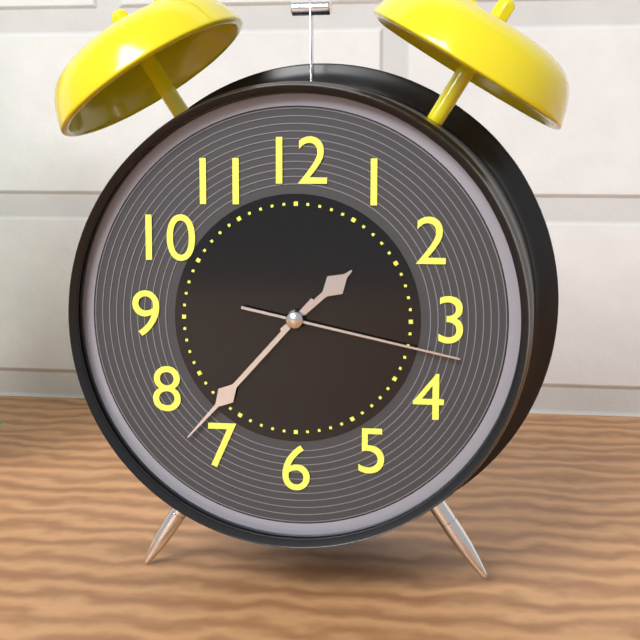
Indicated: **1:37:17**
